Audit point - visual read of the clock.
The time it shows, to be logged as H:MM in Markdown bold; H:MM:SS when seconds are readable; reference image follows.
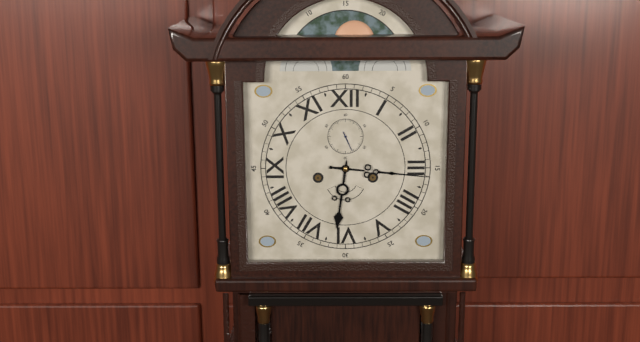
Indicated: **6:16**
